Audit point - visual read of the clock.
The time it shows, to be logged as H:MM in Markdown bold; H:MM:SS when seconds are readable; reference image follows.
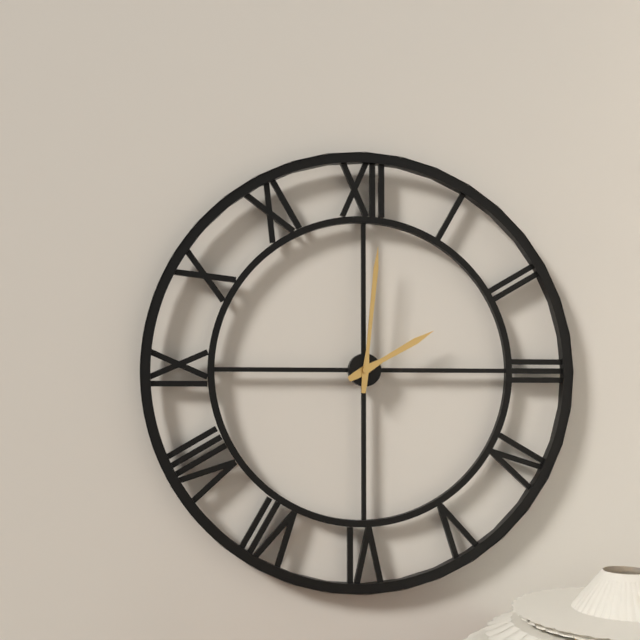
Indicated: **2:01**
